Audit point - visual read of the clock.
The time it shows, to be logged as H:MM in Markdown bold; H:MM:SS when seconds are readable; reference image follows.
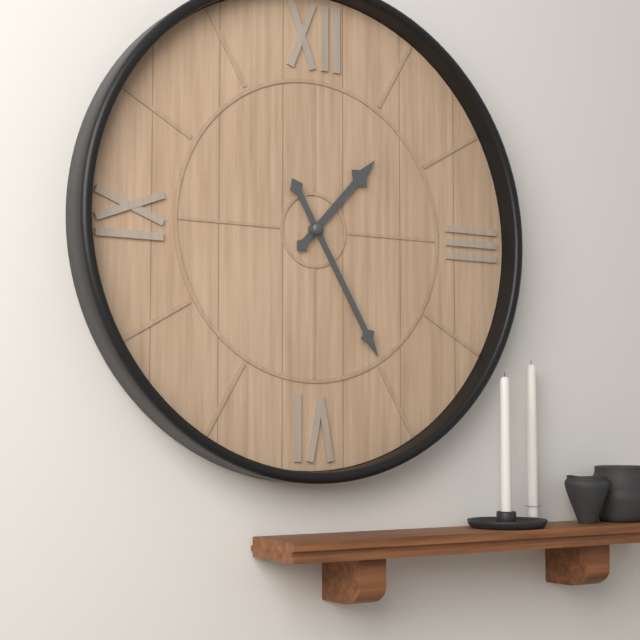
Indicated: **1:25**
